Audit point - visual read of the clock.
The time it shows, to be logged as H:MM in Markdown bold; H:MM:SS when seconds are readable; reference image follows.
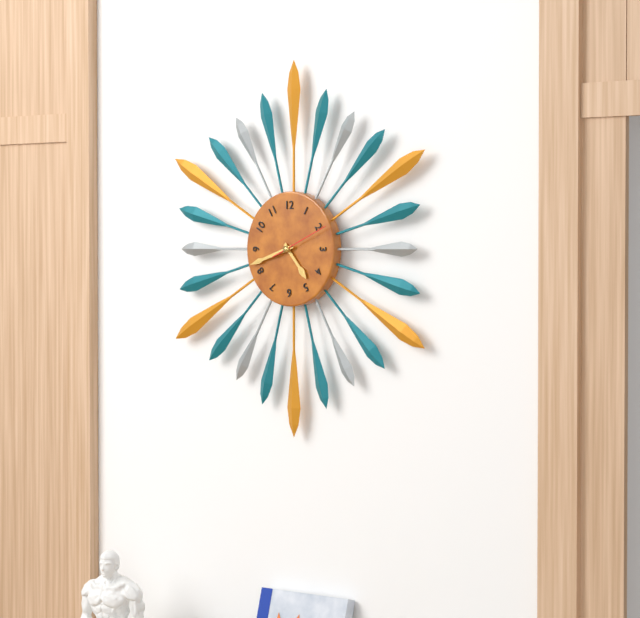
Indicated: **4:42**
